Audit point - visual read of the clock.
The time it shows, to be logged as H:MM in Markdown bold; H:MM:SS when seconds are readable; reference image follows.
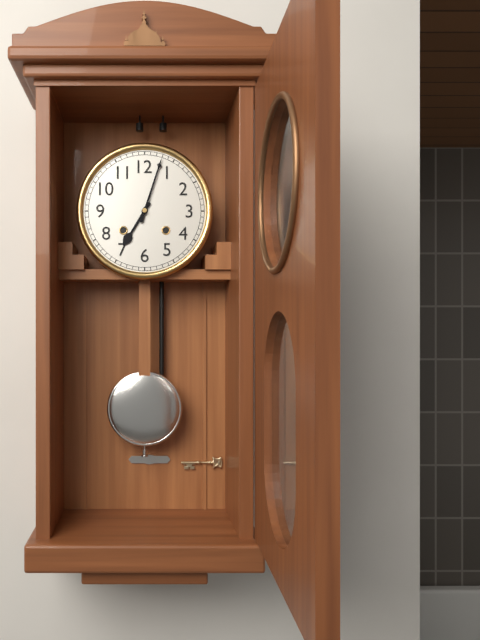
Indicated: **7:03**
